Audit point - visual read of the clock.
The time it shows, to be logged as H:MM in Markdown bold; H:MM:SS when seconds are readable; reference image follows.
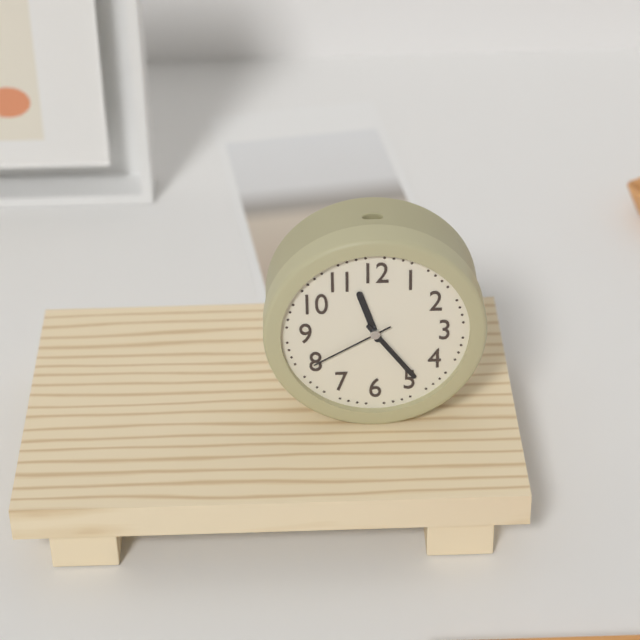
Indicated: **11:24:40**
